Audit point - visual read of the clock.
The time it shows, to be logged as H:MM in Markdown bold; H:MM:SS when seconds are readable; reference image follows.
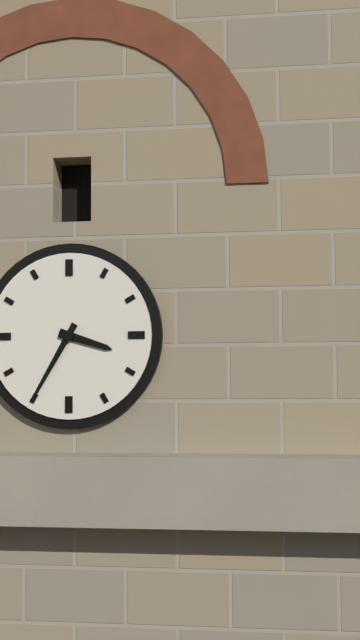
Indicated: **3:35**
